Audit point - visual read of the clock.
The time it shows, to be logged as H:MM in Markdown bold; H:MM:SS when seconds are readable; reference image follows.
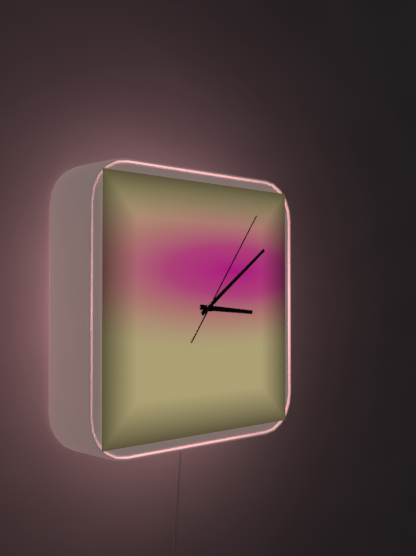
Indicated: **3:09:06**
